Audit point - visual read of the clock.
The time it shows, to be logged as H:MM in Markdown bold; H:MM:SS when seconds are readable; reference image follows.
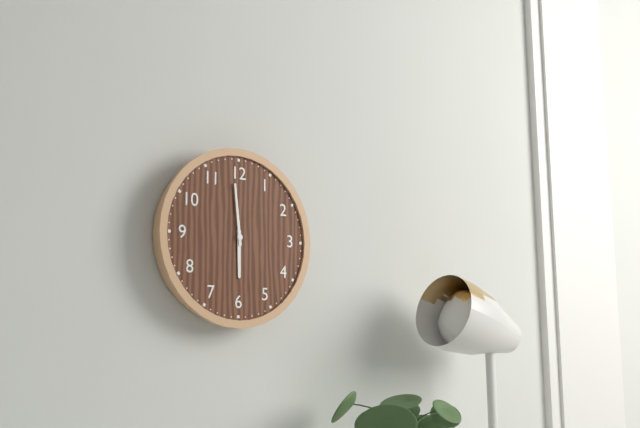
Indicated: **5:59**
